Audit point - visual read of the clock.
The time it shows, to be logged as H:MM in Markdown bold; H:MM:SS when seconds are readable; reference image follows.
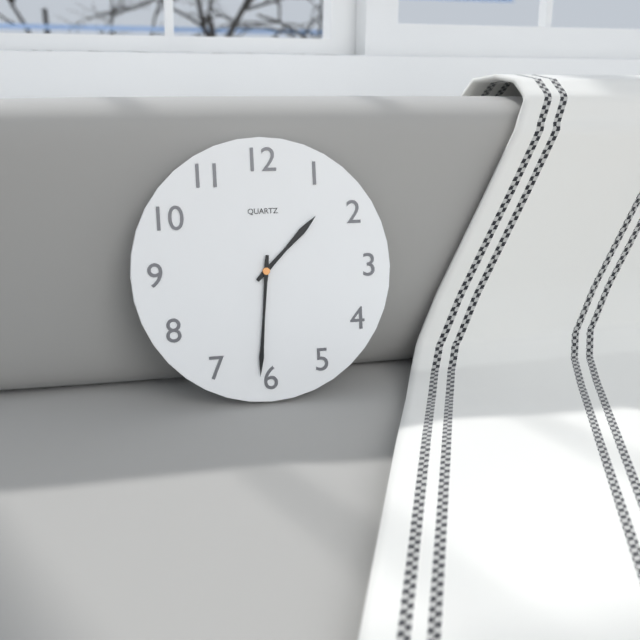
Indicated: **1:31**
